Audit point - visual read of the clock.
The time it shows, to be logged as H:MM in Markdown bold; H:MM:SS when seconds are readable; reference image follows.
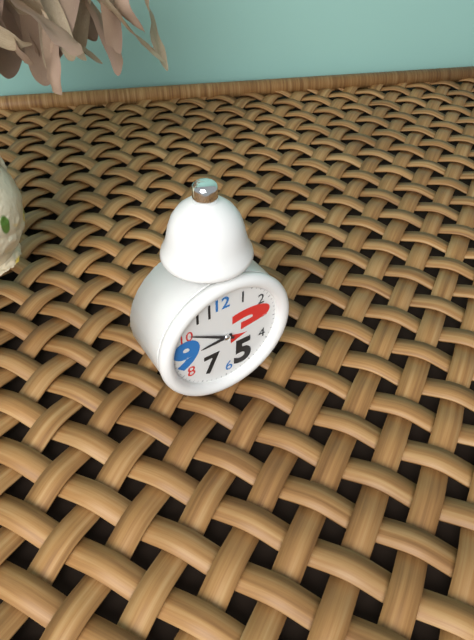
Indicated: **8:50**
